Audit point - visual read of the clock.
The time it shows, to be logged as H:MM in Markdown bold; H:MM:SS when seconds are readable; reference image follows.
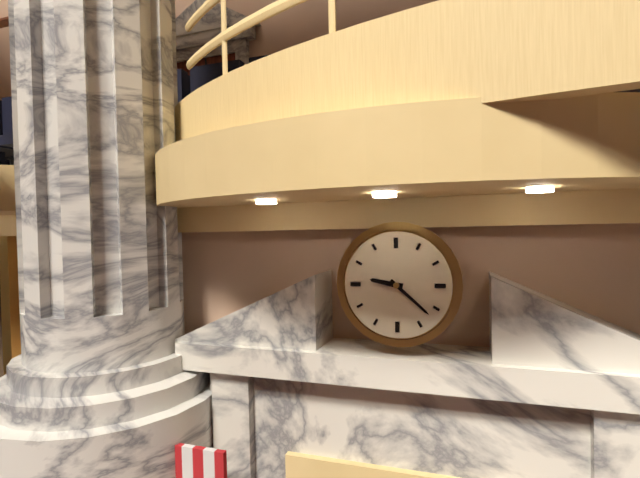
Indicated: **9:22**
